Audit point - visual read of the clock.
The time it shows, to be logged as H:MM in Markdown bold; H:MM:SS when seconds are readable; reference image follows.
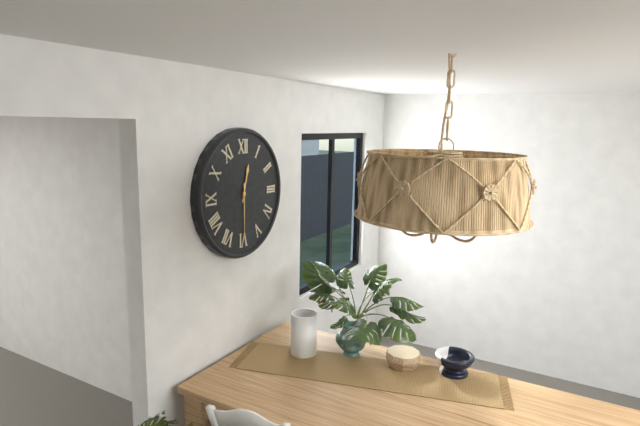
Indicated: **12:30**
